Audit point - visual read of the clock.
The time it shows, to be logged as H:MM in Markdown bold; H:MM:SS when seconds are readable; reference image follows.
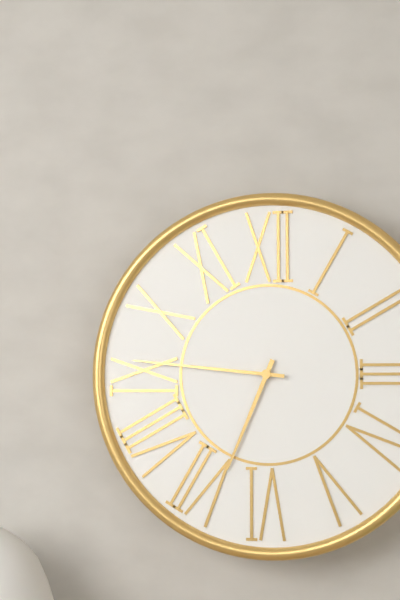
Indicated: **6:46**
